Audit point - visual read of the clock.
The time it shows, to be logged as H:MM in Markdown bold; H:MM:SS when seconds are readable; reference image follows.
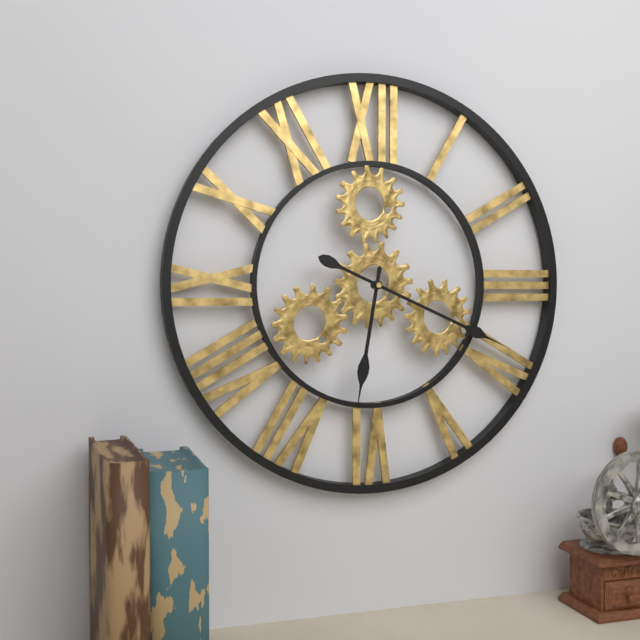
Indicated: **6:19**
